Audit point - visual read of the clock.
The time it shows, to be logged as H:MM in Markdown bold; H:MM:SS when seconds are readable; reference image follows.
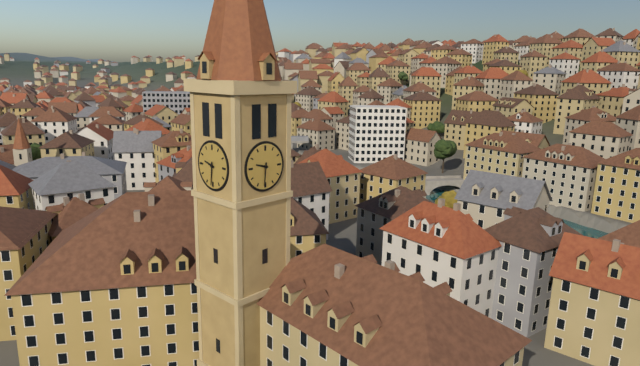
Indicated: **9:31**
